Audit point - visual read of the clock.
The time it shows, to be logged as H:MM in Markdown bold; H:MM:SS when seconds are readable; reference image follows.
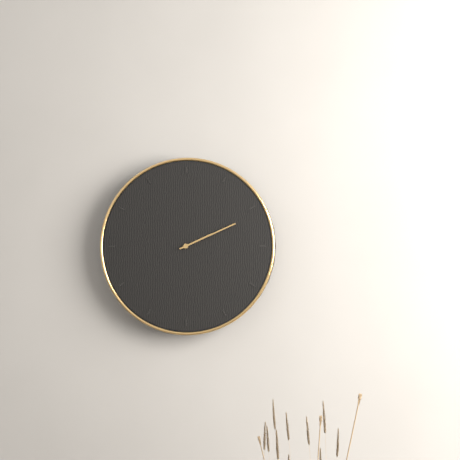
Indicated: **2:11**
